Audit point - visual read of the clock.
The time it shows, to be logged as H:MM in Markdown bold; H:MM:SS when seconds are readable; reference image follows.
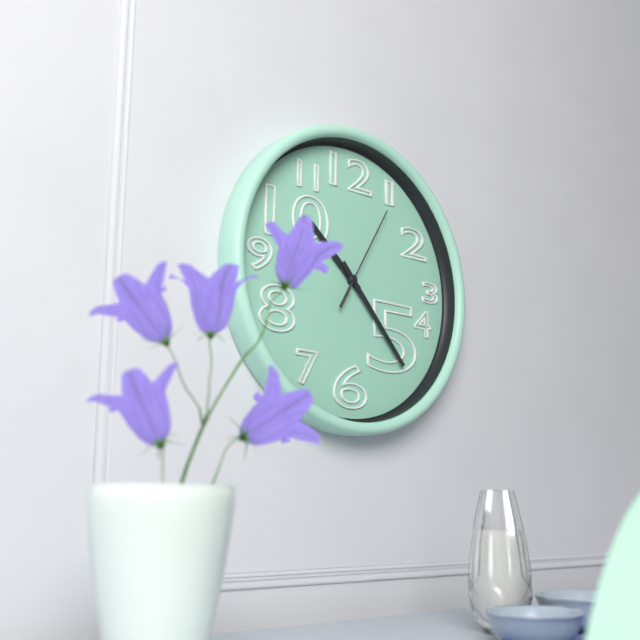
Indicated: **10:23:05**
